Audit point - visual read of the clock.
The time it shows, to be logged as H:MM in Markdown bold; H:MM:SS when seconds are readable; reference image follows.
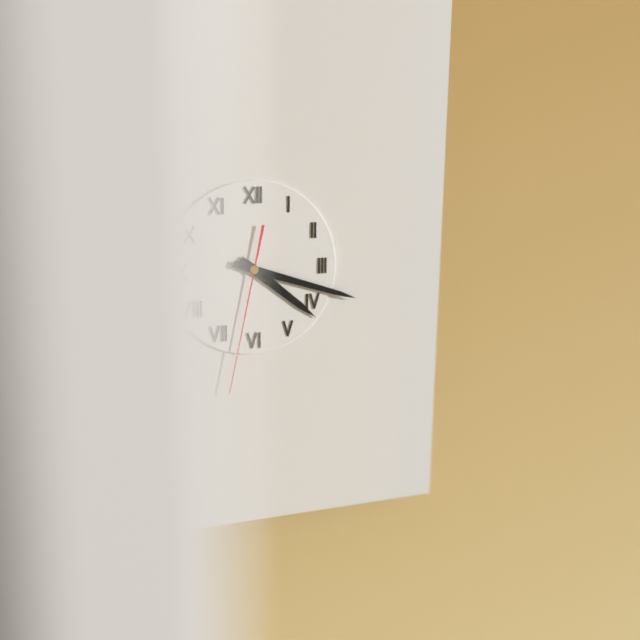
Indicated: **4:18:32**
